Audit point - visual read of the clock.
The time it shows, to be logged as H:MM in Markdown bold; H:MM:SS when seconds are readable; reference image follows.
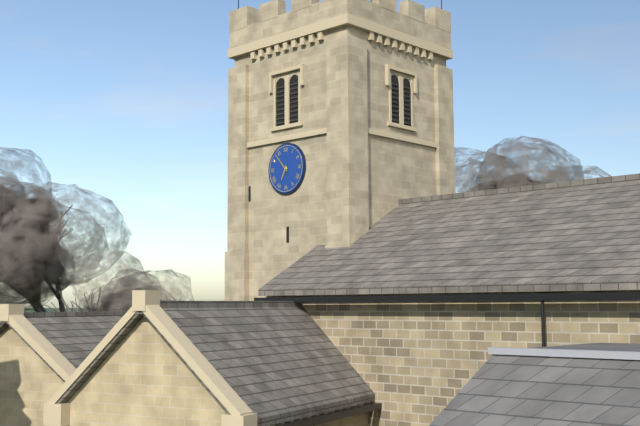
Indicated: **6:53**
